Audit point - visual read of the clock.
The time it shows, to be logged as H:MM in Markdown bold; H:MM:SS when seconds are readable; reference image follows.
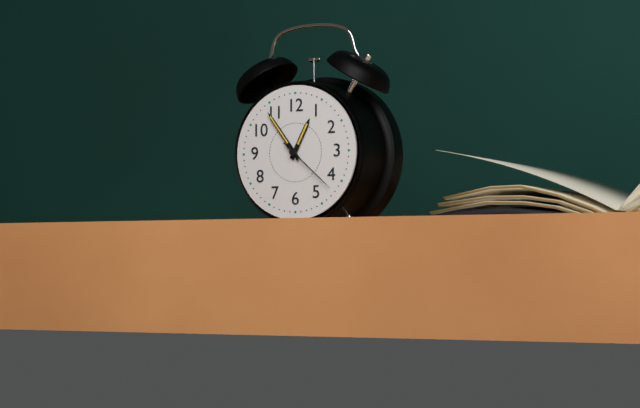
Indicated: **12:54:22**
